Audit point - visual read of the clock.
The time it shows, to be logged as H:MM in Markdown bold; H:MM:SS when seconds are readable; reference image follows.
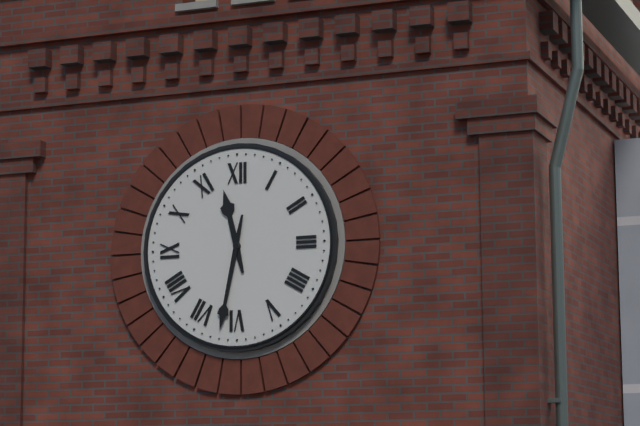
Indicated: **11:32**
